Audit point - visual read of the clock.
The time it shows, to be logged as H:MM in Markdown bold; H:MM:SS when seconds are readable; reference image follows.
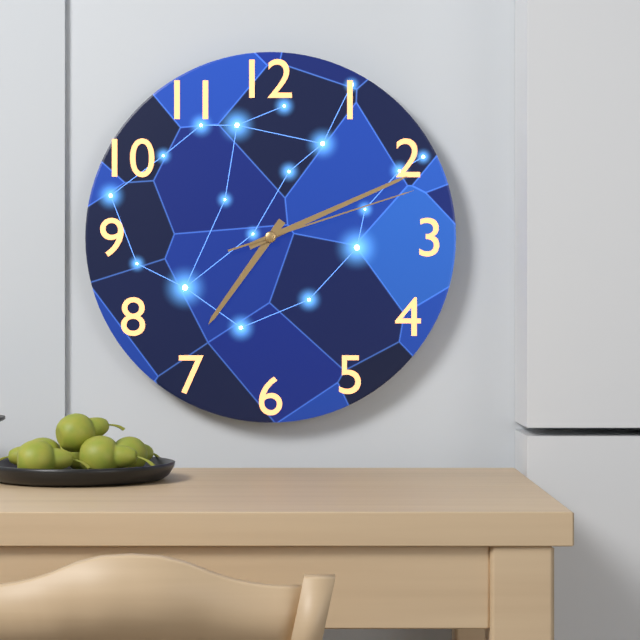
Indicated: **7:11:12**
